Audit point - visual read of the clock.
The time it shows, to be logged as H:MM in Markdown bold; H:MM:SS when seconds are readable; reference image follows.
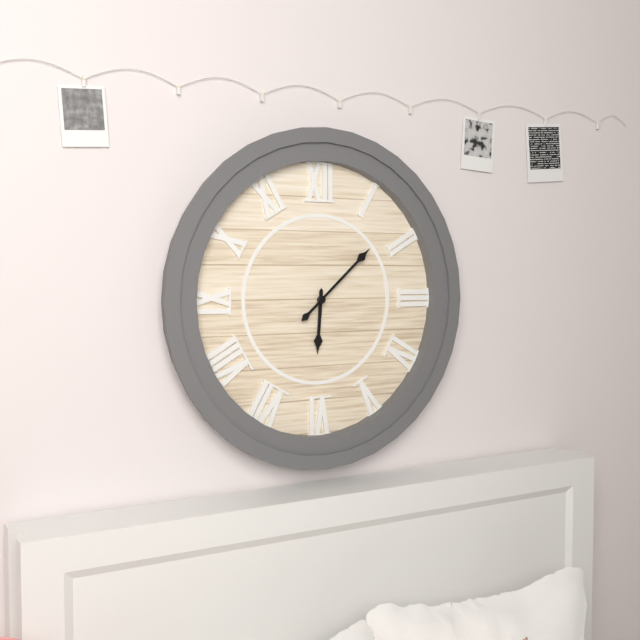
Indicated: **6:08**
